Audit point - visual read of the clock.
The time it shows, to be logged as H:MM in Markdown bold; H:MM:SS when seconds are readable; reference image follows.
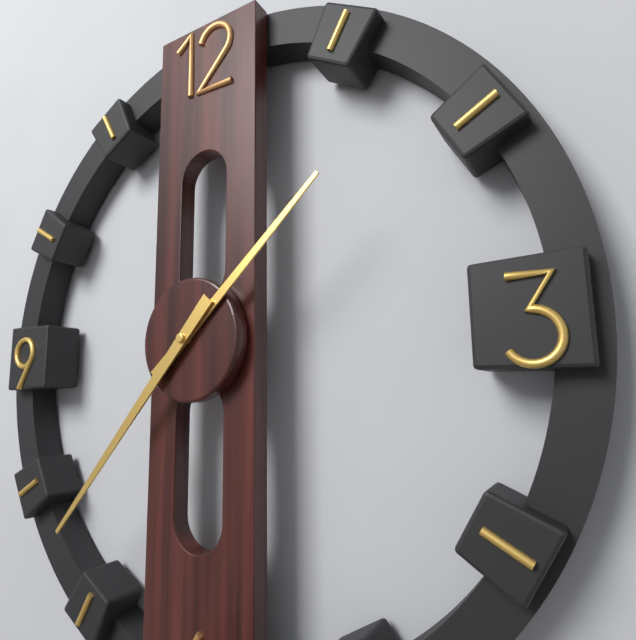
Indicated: **1:37**
